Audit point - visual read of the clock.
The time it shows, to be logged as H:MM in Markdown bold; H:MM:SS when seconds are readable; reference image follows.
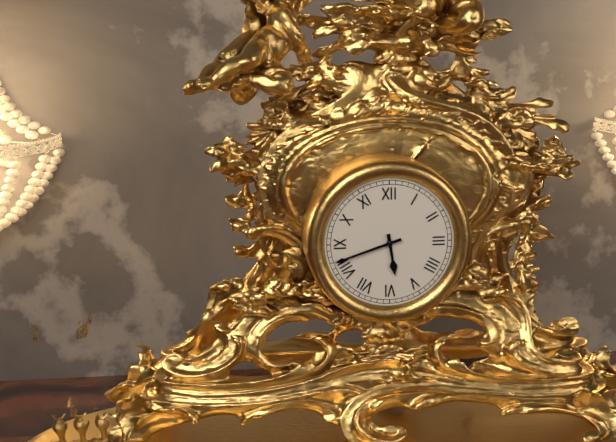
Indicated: **5:42**
